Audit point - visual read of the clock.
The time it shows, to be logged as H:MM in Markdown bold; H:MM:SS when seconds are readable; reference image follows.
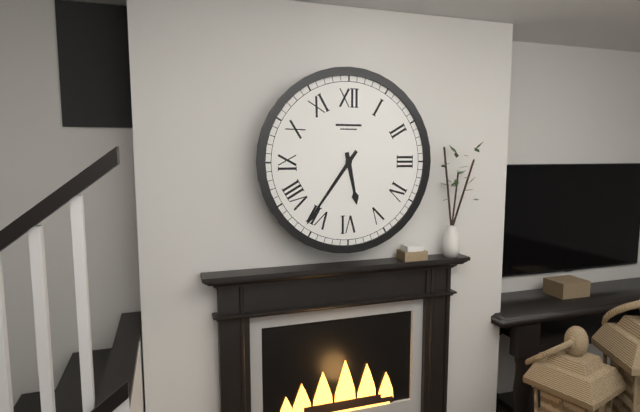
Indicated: **5:36**
